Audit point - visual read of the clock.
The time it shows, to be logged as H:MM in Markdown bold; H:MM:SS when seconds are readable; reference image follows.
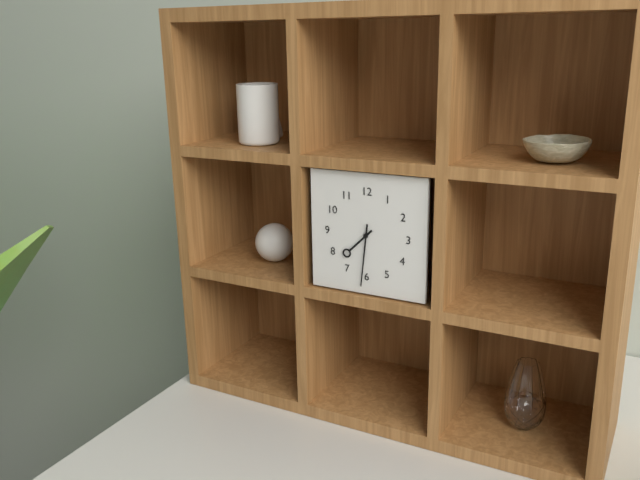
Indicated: **7:31**
